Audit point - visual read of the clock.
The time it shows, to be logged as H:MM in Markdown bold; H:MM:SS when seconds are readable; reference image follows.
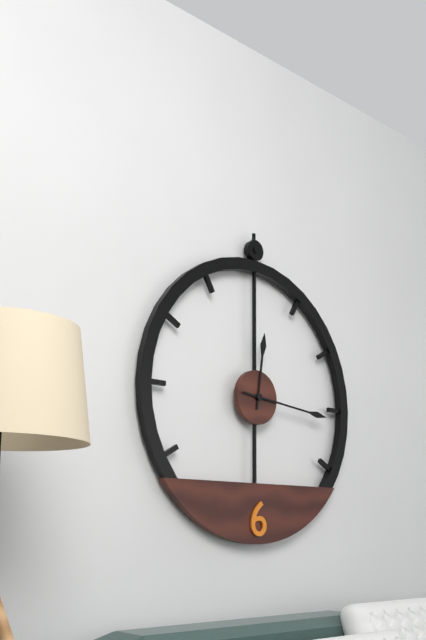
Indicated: **12:16**
